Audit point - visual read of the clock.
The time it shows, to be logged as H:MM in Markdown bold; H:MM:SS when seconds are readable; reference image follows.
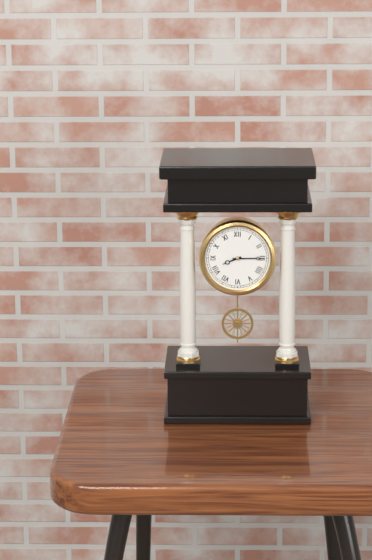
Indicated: **8:15**
